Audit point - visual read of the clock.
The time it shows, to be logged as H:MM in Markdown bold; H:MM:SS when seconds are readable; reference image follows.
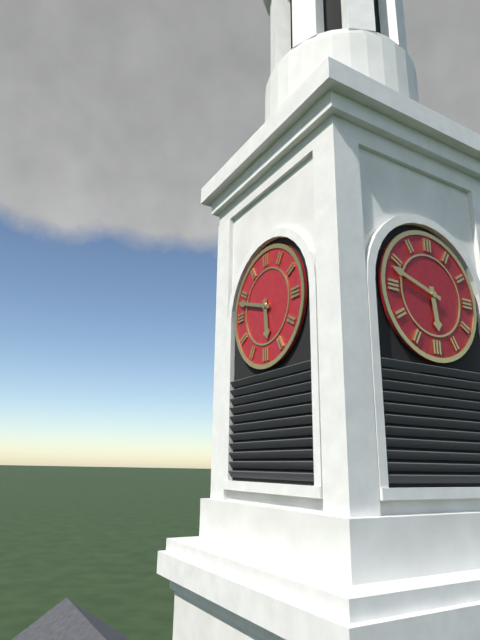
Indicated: **5:48**
